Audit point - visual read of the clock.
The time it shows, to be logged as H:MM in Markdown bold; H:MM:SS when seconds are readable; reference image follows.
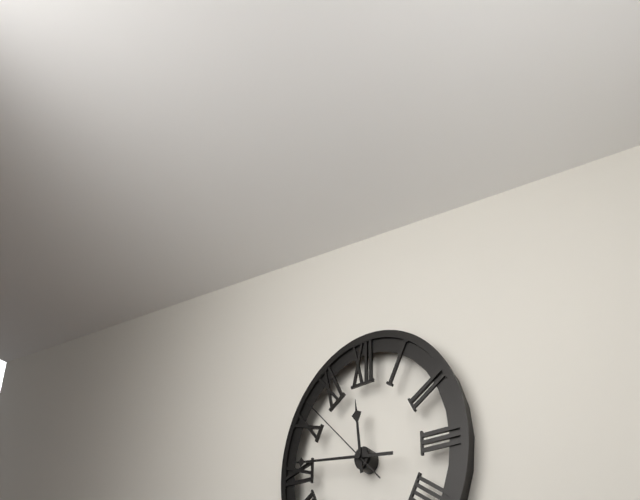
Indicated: **11:46:52**
